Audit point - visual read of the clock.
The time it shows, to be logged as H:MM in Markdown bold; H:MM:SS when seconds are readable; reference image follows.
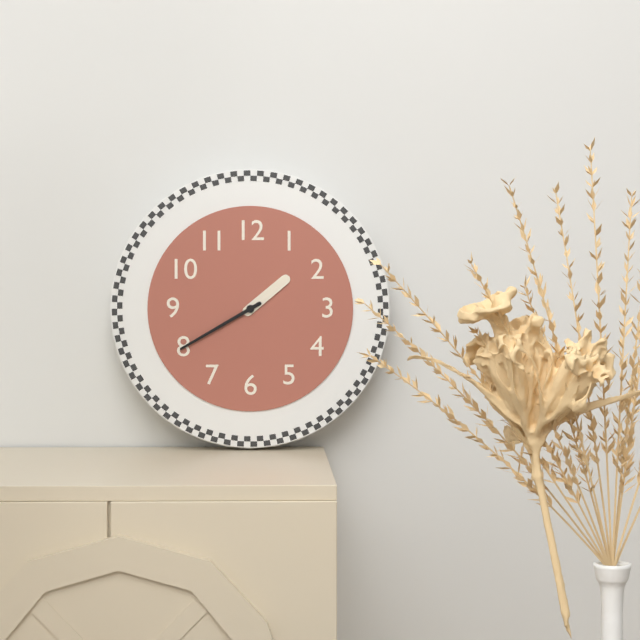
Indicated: **1:40**
